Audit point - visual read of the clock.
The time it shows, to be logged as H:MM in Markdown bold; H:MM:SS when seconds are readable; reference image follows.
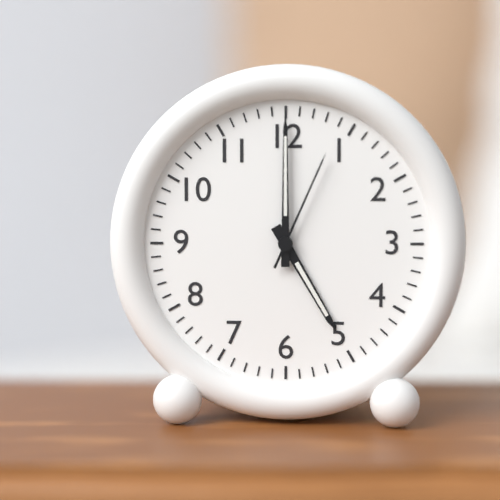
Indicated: **5:00:04**
